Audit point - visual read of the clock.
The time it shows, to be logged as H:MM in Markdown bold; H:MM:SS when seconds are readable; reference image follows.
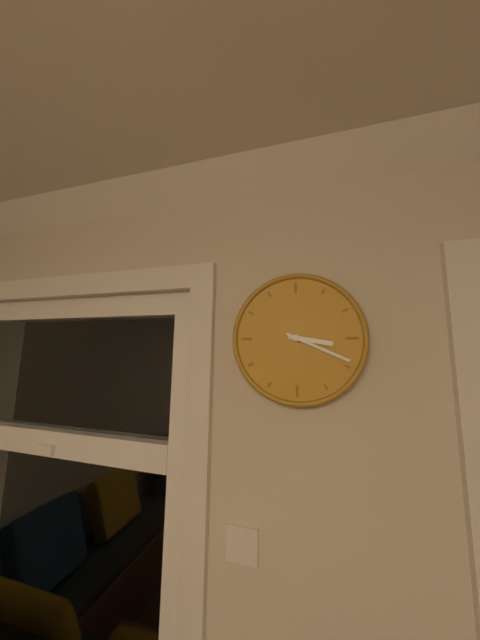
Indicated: **3:19**
